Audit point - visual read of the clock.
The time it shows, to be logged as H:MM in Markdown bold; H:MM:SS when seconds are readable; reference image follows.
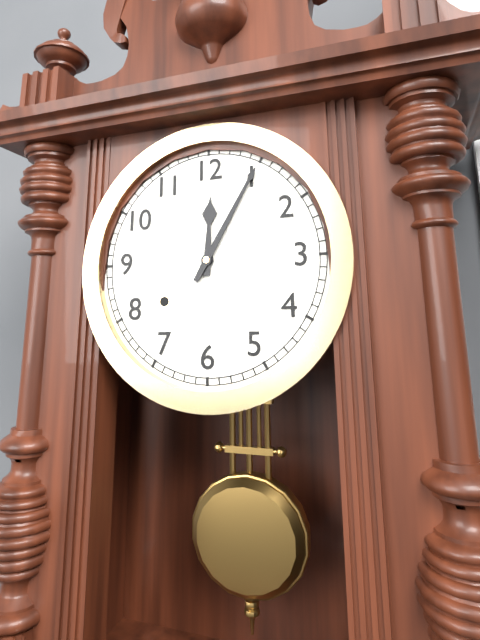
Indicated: **12:05**
